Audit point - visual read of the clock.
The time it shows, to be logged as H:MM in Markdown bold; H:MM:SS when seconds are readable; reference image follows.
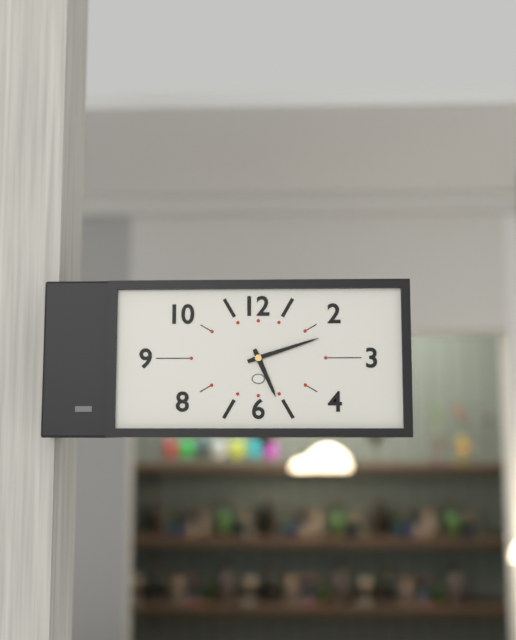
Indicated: **5:12**
